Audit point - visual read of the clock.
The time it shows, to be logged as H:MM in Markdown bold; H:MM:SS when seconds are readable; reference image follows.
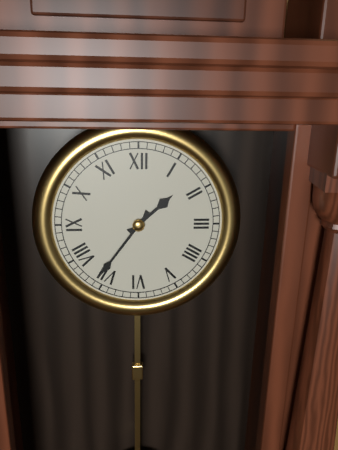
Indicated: **1:36**
